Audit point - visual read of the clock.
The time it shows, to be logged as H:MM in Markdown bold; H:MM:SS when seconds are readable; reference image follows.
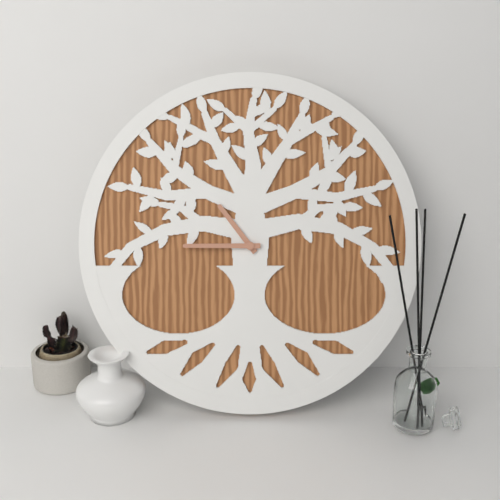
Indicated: **10:45**
